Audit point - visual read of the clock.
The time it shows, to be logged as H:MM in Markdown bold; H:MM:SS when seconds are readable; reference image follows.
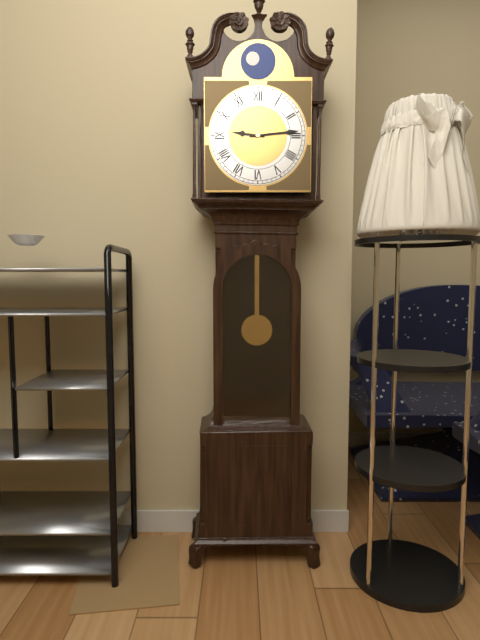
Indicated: **9:14**
